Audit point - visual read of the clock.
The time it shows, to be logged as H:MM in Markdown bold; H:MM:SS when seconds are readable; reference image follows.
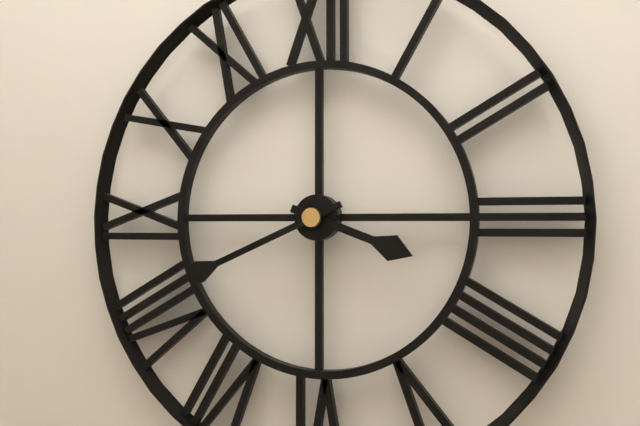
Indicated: **3:41**
